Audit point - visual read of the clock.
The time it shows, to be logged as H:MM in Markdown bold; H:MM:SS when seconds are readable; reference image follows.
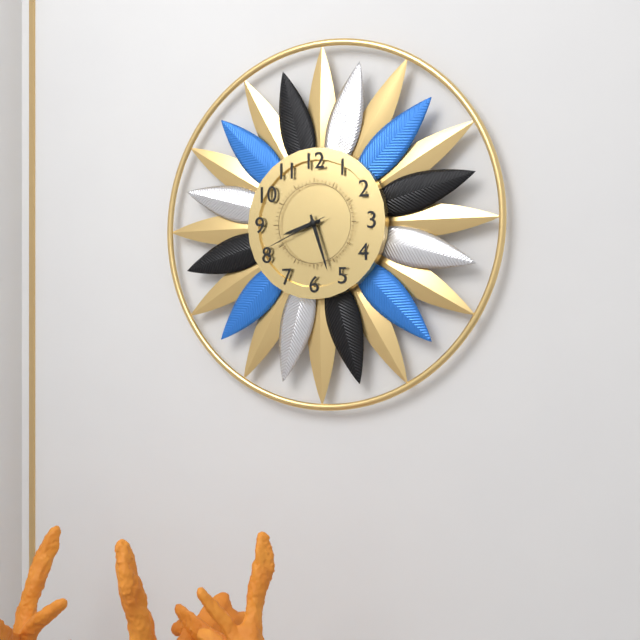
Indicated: **8:27:41**
